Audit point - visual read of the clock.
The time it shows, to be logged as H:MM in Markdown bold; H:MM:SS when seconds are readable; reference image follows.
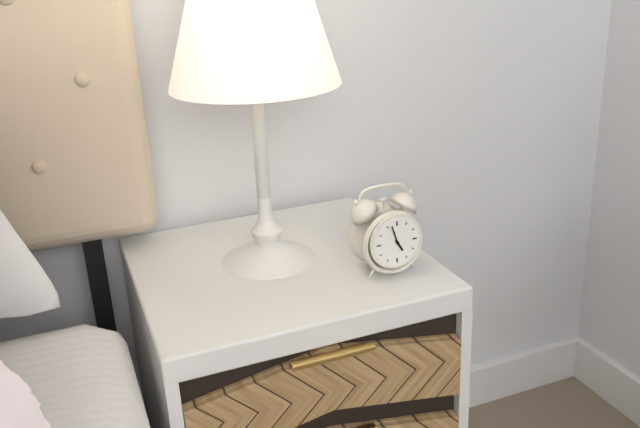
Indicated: **4:57**
